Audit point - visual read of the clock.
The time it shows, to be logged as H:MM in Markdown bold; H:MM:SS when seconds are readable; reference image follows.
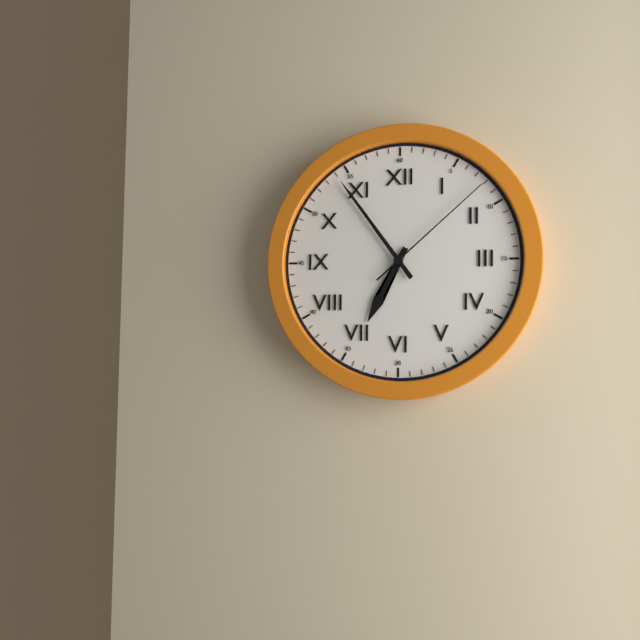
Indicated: **6:54:08**
